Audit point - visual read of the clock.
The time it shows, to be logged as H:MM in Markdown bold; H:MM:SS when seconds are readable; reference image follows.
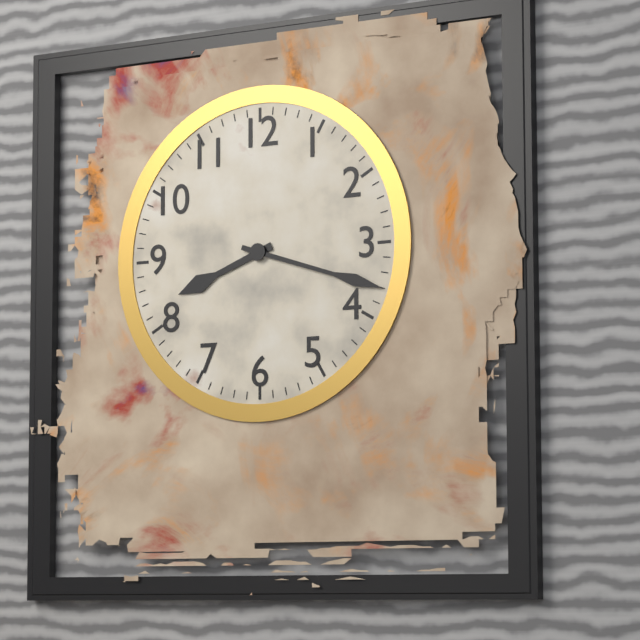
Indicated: **8:18**
